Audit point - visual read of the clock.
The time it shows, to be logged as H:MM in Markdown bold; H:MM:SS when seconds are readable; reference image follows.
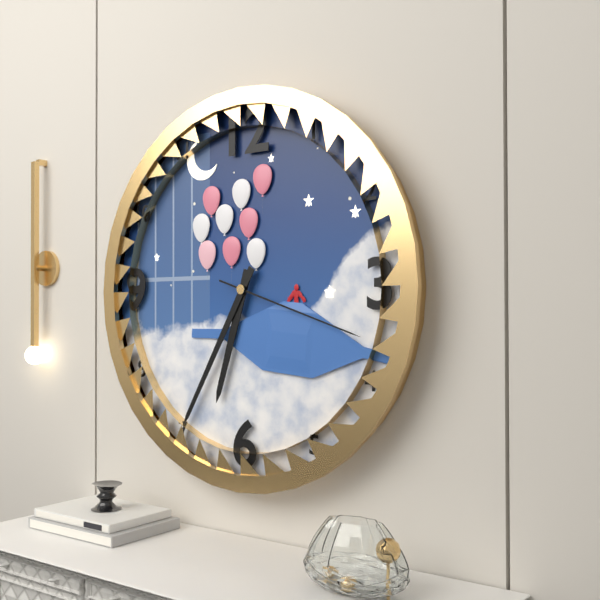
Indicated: **6:35:18**
